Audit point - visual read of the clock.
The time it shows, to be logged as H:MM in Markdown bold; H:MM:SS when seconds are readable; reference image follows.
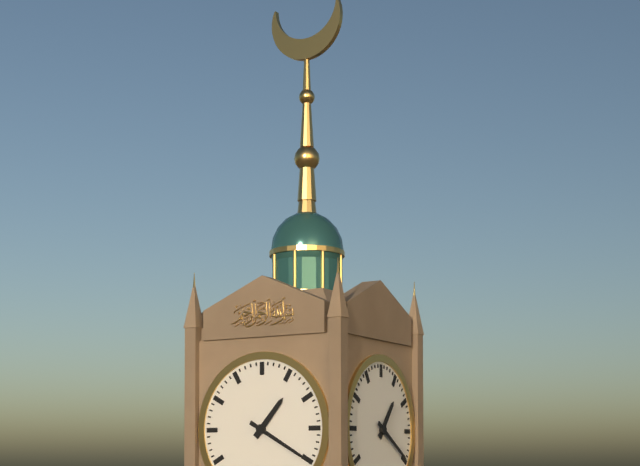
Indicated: **1:20**
